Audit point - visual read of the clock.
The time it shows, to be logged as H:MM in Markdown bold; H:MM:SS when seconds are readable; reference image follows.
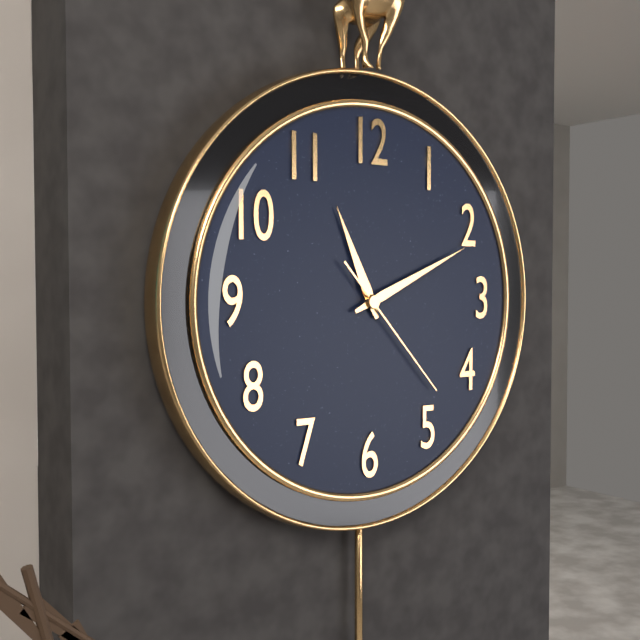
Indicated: **11:11:23**
